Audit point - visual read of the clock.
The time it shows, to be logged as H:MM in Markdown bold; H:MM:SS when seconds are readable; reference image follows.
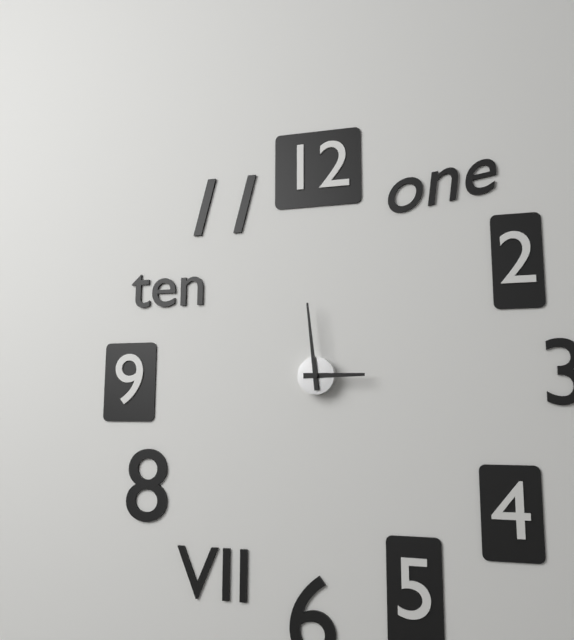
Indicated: **2:59**
